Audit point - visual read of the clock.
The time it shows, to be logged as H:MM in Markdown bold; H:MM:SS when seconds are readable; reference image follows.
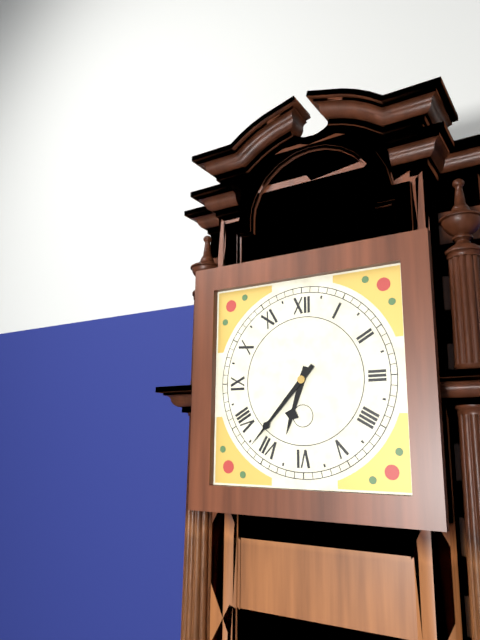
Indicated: **6:37**
